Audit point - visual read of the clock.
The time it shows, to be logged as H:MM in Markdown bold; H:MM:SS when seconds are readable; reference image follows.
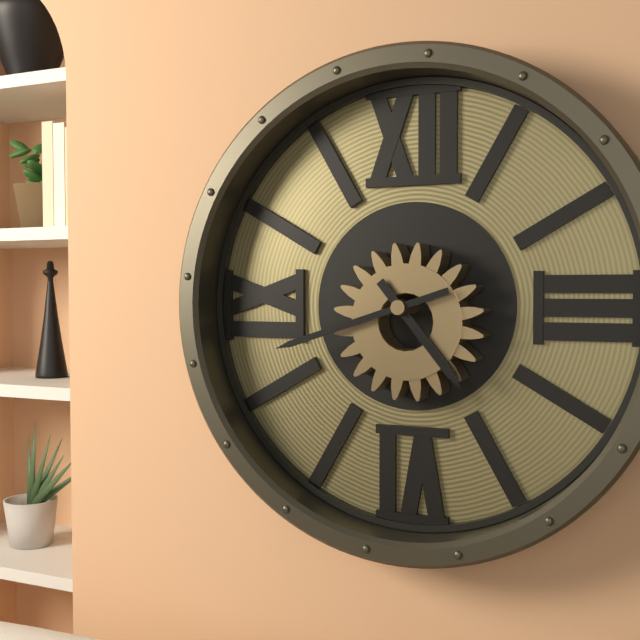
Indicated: **4:42**
